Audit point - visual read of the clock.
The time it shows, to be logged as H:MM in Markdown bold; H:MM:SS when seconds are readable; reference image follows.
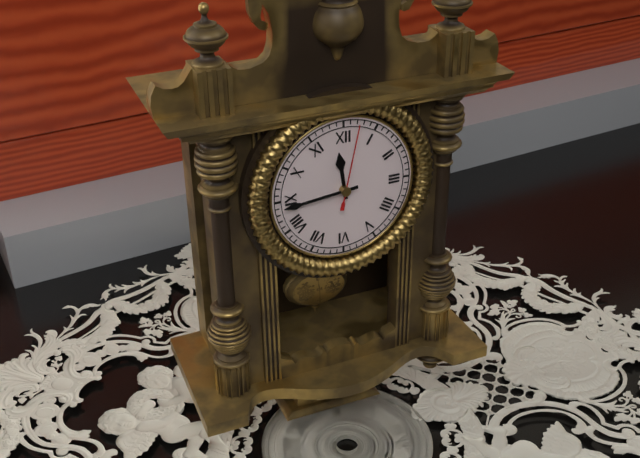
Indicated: **11:44:02**
